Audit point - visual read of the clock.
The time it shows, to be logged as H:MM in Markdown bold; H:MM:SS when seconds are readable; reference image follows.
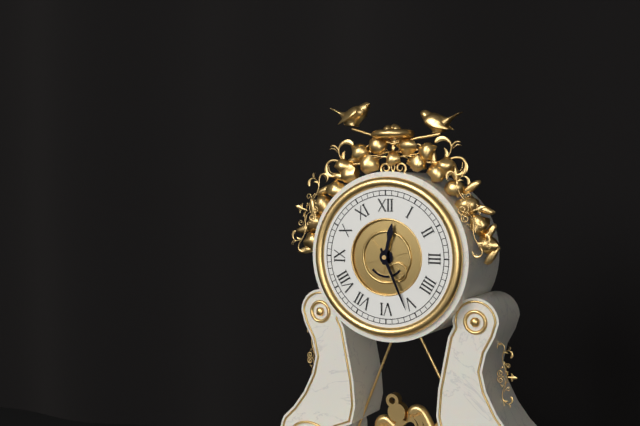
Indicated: **12:26**
